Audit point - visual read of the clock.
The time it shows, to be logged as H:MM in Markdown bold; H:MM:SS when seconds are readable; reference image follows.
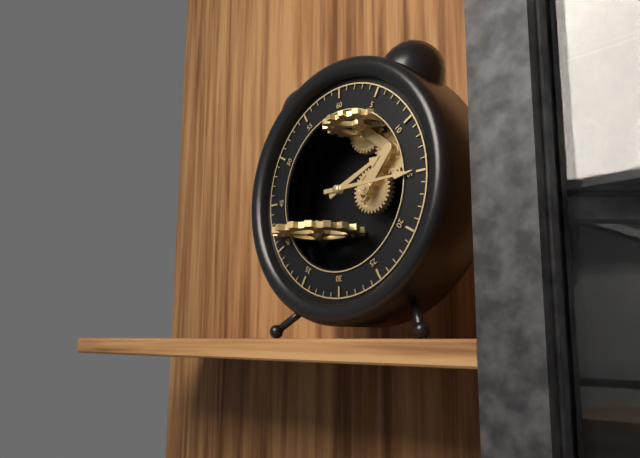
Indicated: **2:15**
